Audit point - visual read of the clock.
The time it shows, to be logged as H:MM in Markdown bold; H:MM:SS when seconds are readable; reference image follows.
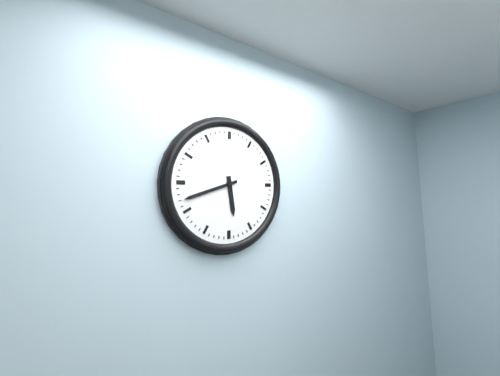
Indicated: **5:42**
